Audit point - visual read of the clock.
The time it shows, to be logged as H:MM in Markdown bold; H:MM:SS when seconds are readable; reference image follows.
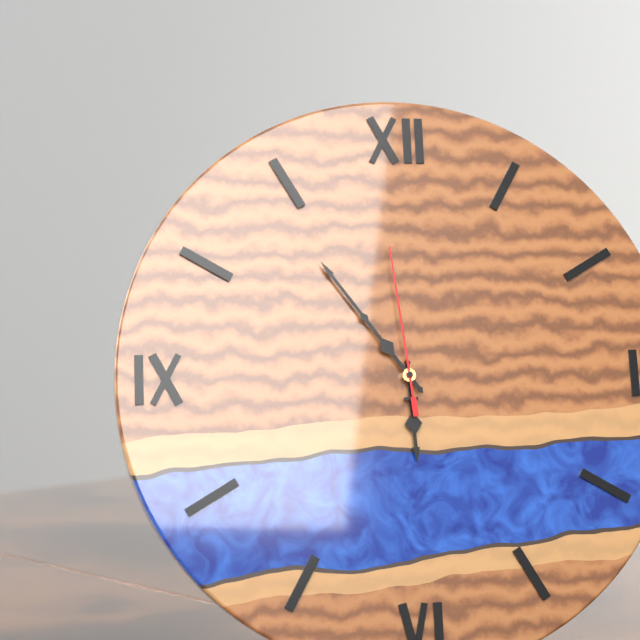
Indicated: **5:54:59**
